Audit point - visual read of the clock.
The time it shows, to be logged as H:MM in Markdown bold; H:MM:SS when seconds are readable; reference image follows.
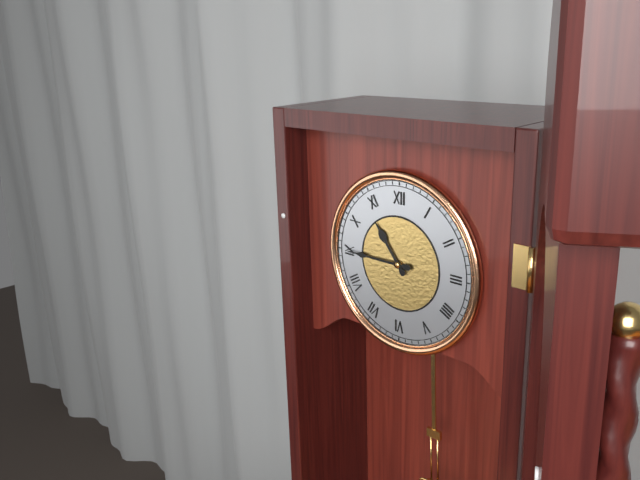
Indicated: **10:45**
